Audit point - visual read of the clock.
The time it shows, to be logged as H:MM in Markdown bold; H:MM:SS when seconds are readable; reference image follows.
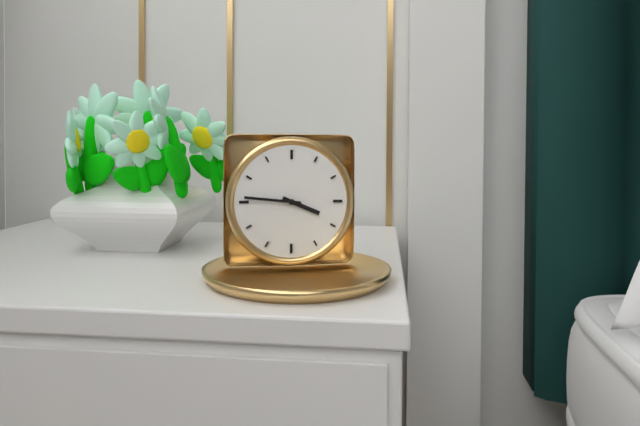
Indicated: **3:46**
